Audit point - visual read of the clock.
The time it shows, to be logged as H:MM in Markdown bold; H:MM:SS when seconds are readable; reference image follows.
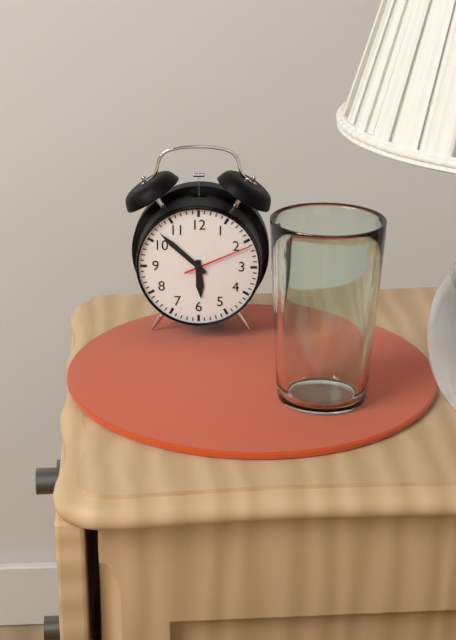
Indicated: **5:52:11**
